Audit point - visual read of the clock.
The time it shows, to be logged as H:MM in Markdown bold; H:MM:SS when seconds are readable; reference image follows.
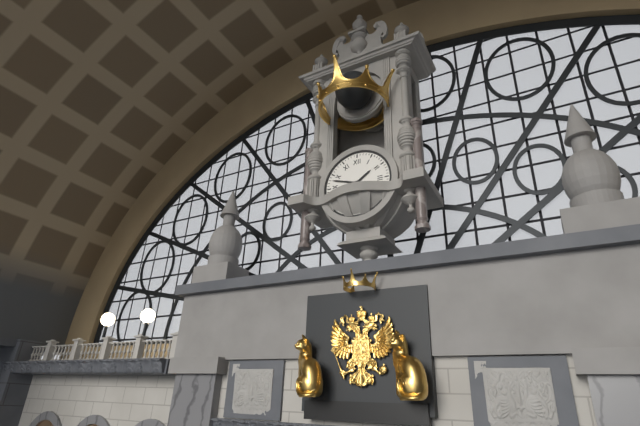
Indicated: **1:48**
